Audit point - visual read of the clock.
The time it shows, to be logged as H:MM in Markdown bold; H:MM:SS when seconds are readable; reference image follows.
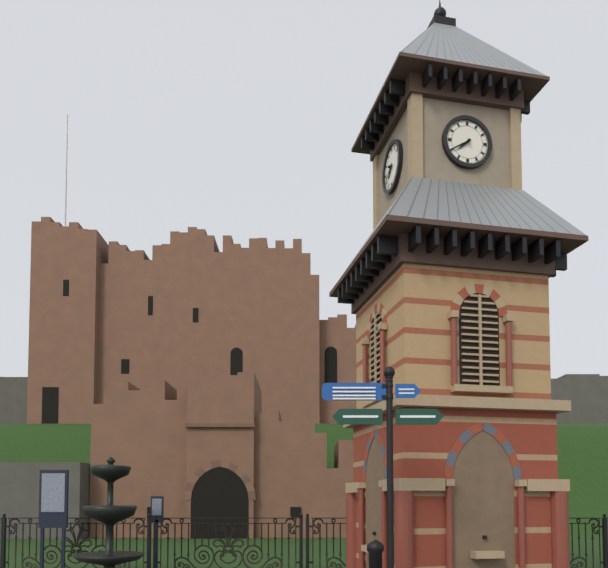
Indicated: **7:40**
